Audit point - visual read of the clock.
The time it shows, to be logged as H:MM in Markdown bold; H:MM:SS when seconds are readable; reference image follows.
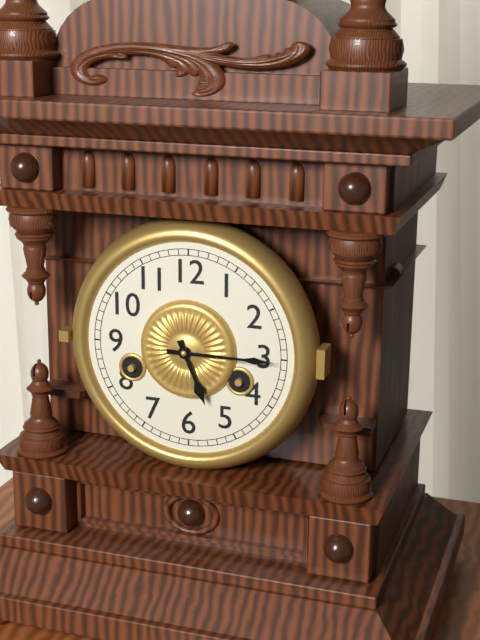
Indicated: **5:15**
